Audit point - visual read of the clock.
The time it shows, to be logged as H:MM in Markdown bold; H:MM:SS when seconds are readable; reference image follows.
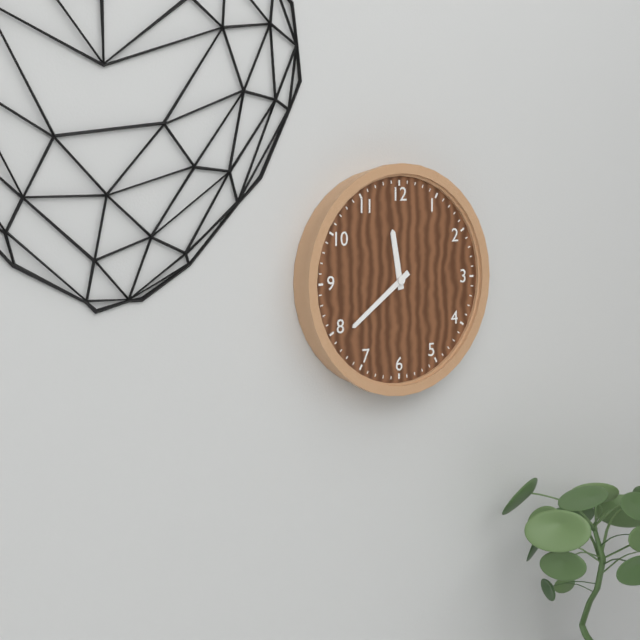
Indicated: **11:39**
